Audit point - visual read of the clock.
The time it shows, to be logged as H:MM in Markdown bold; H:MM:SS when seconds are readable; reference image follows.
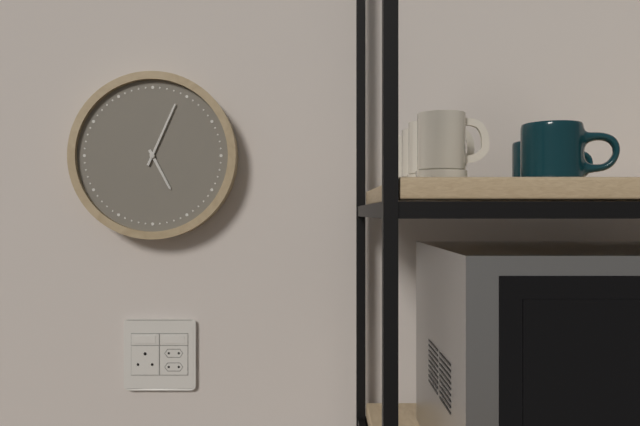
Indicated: **5:04**
